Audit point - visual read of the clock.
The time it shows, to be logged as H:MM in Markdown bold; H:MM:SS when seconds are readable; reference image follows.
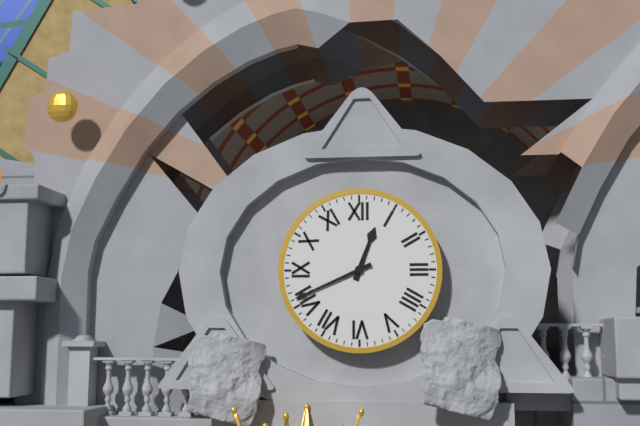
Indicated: **12:41**
